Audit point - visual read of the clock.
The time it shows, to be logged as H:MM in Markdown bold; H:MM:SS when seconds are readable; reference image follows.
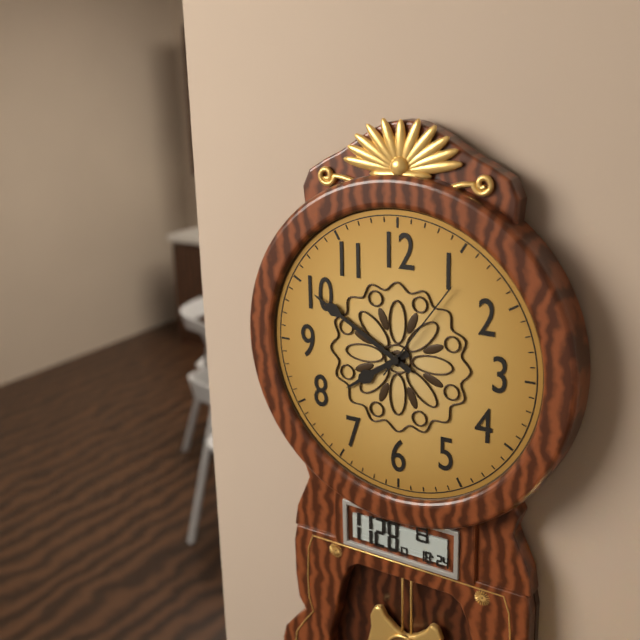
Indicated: **7:50:06**
